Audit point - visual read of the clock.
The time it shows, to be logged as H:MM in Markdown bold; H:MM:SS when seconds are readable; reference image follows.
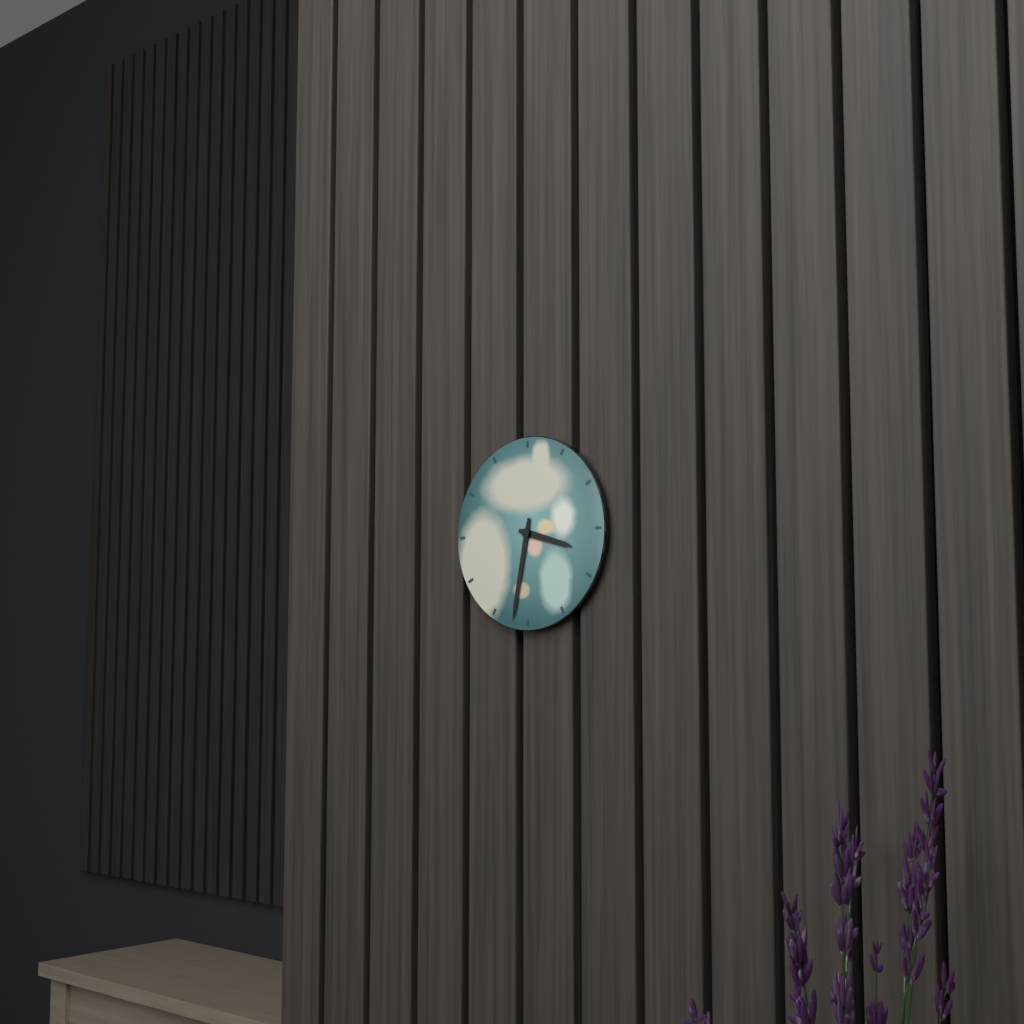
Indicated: **3:32**
